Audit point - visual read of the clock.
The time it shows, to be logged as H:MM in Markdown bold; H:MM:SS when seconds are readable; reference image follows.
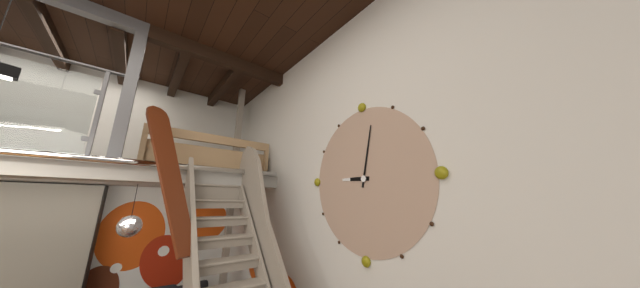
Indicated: **9:02**
